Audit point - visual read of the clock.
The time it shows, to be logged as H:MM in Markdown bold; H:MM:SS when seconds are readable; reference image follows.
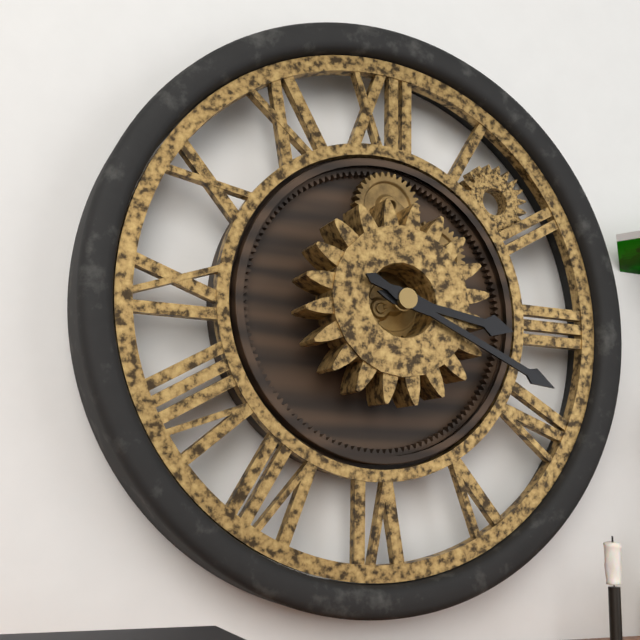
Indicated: **3:19**
